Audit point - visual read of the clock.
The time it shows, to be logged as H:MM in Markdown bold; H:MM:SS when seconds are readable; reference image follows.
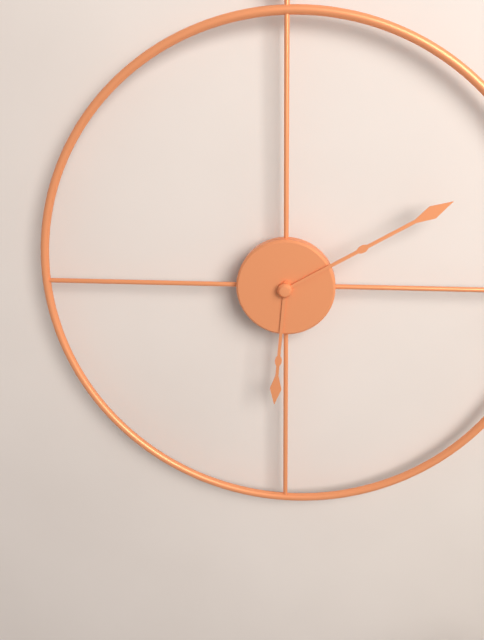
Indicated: **6:10**
